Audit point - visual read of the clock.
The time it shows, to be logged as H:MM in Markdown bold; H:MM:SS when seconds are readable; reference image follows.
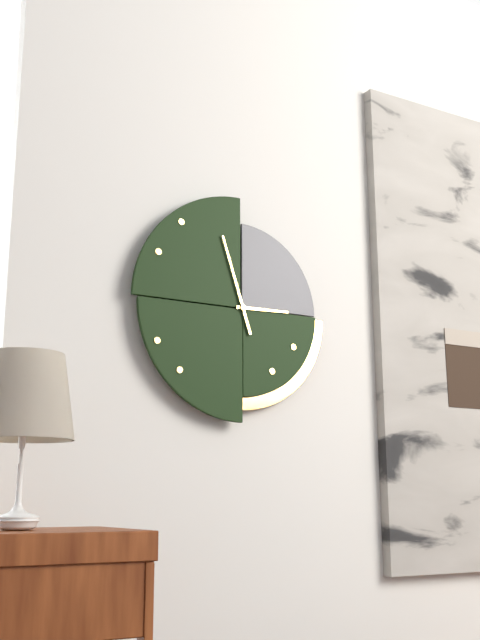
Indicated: **2:57**
